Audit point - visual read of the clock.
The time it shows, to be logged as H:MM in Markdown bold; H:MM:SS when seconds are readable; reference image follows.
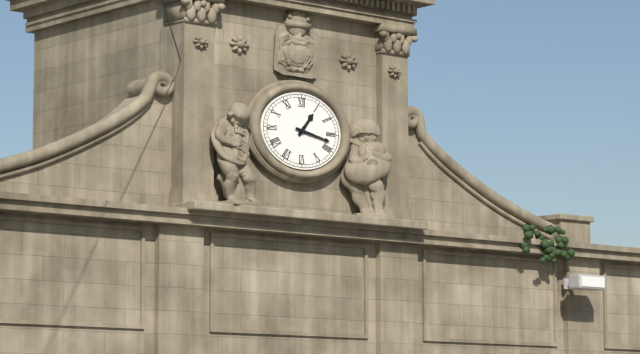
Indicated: **1:17**
